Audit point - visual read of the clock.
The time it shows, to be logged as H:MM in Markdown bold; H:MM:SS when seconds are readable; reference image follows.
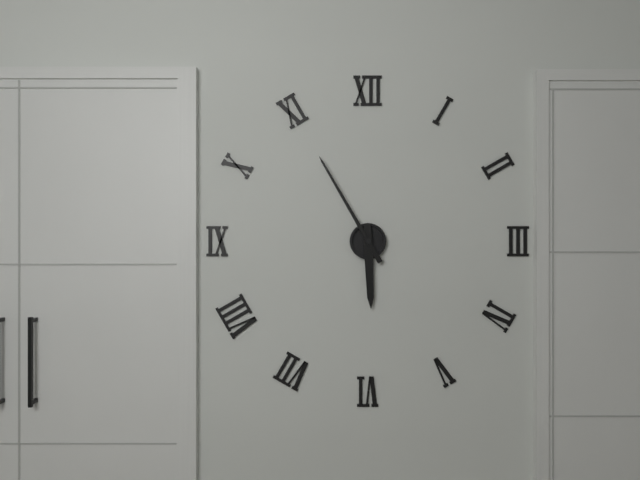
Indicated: **5:55**
